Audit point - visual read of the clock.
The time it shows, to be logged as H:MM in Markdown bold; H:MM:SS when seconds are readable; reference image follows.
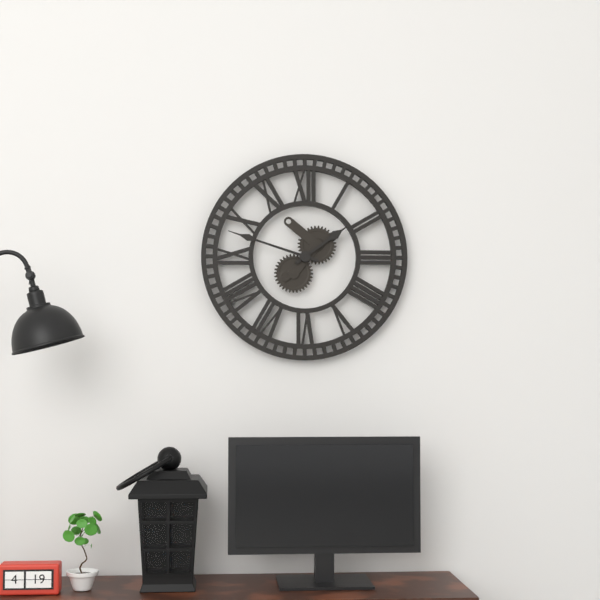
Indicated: **1:48**
